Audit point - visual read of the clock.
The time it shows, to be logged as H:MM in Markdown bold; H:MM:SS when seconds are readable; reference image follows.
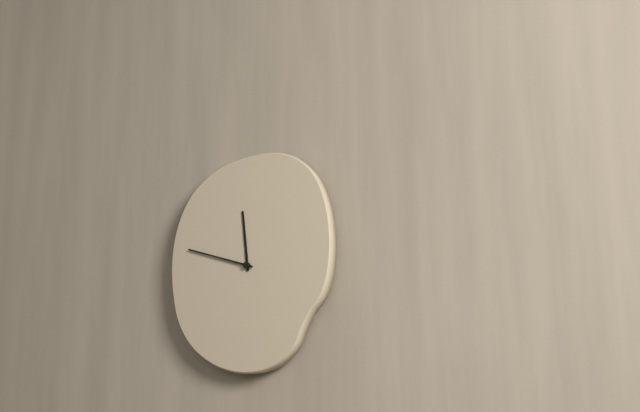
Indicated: **11:48**
